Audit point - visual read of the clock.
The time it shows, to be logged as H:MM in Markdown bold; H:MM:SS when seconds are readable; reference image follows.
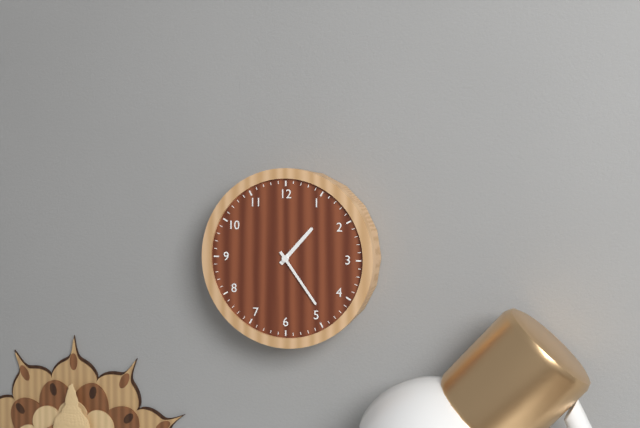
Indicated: **1:24**
